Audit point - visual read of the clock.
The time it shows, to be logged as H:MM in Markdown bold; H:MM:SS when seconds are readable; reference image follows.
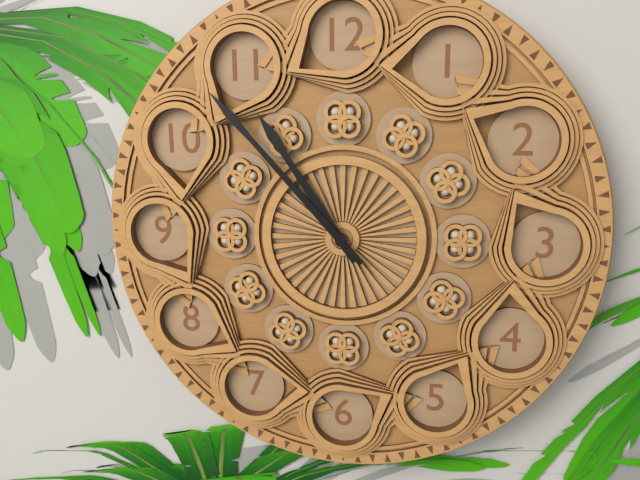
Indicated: **10:53**
